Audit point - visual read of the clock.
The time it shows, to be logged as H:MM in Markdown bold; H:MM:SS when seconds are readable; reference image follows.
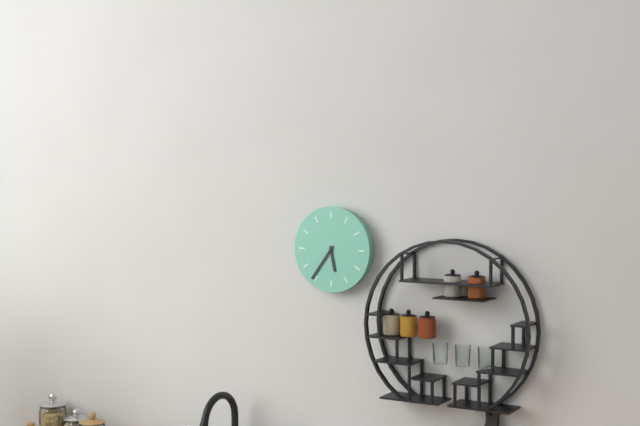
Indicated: **5:36**
